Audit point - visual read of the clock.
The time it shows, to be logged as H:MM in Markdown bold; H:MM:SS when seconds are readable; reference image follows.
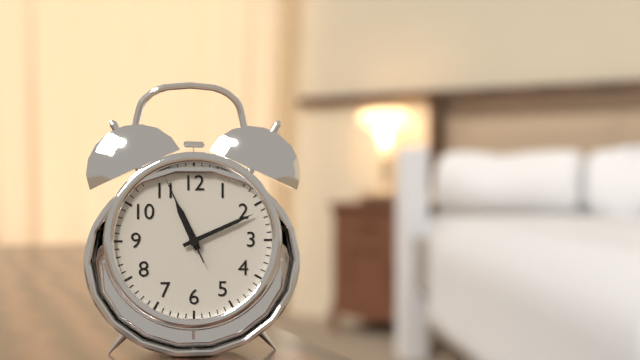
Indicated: **11:11:56**
